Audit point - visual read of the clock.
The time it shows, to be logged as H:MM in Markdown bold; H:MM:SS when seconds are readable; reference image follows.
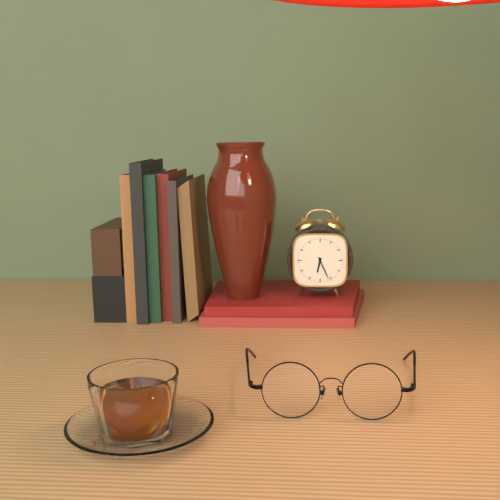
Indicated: **6:26**
